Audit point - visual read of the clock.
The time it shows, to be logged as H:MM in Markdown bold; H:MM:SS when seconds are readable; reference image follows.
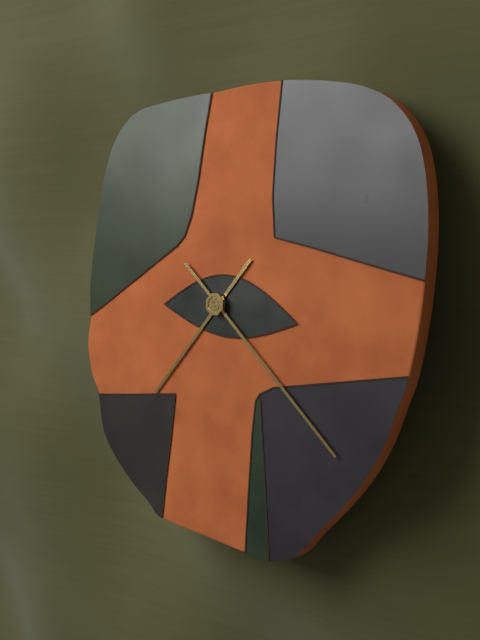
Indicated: **7:22**
